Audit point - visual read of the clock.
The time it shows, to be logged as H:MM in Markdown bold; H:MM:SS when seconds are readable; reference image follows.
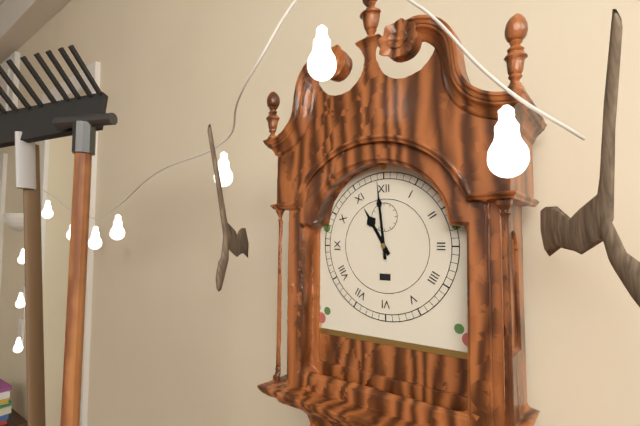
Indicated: **10:59**
